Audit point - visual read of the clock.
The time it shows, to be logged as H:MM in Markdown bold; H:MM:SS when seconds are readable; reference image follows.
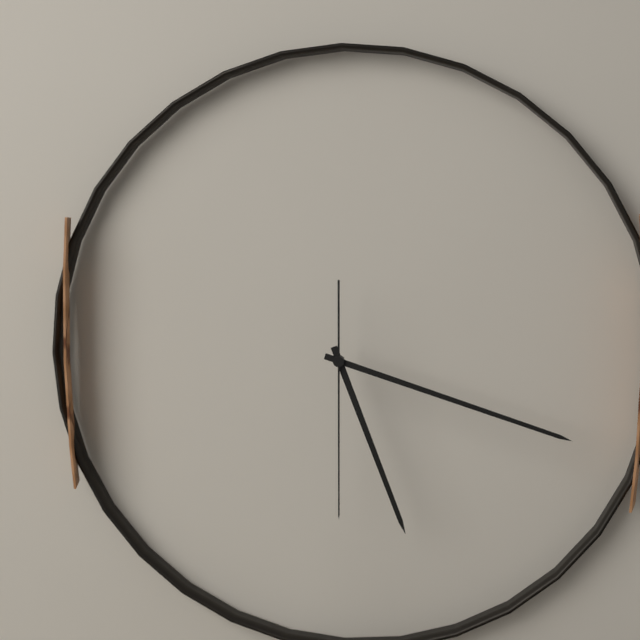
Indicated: **5:18:30**
